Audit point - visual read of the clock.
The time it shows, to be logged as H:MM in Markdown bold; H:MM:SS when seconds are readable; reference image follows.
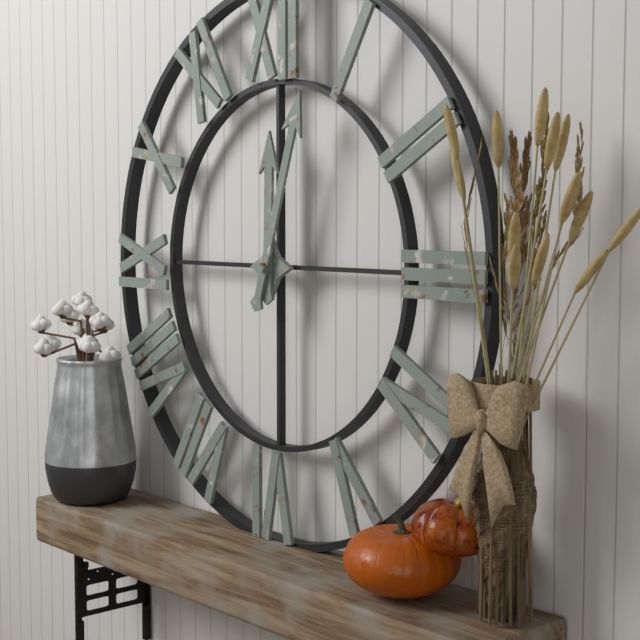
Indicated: **12:03**
